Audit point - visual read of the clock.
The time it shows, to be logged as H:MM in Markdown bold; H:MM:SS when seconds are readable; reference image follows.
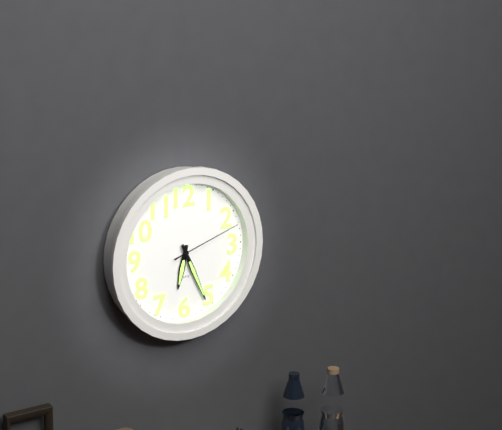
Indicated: **6:26:12**
